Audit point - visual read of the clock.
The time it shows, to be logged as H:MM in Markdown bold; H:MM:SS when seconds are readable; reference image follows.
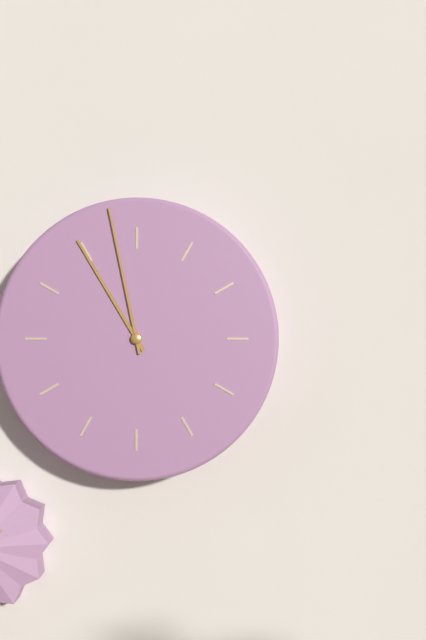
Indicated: **10:58**
